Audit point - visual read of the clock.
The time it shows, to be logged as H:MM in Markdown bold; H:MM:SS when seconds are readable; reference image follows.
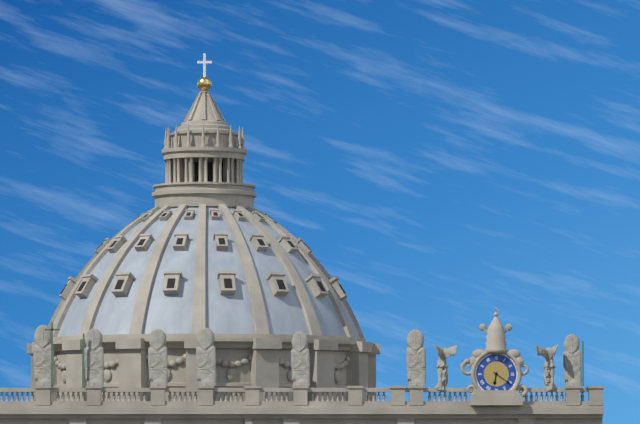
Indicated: **6:21**
